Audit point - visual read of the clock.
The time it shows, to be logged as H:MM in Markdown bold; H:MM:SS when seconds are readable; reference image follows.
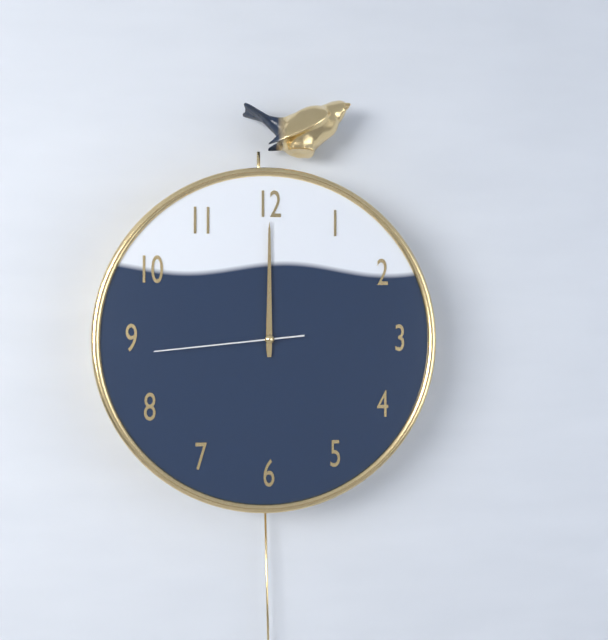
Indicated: **12:00:44**
